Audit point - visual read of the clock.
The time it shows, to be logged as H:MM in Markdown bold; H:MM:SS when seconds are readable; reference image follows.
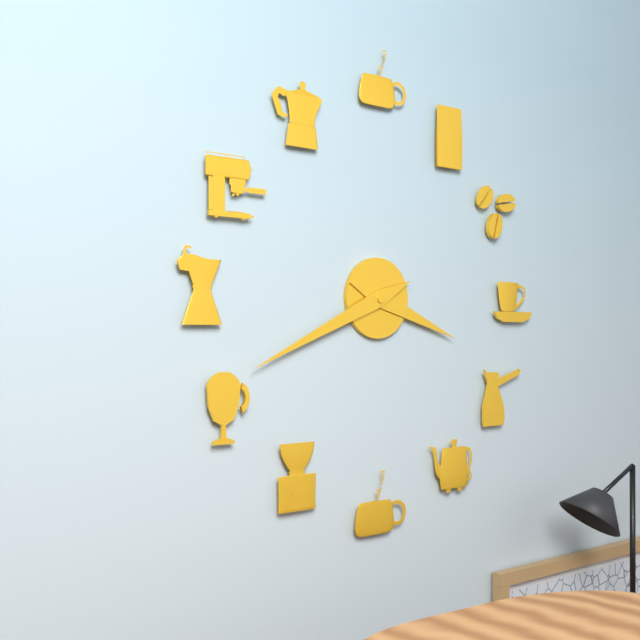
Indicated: **3:41**
